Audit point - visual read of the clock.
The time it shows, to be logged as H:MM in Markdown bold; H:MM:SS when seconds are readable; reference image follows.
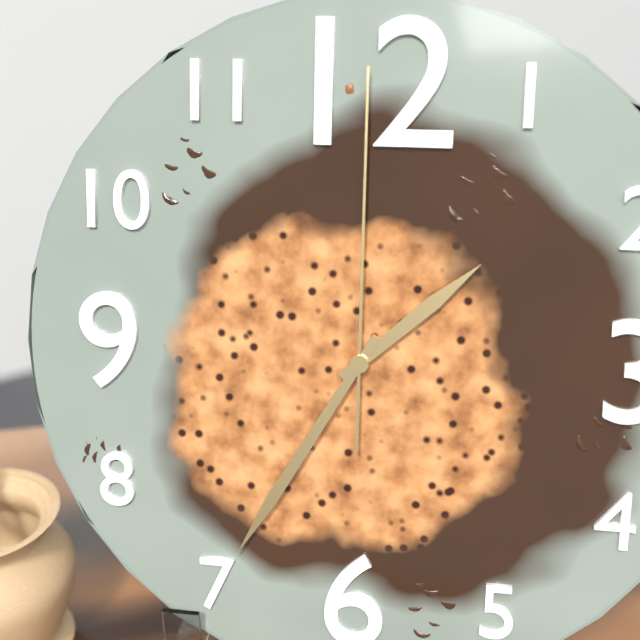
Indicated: **1:35:00**
